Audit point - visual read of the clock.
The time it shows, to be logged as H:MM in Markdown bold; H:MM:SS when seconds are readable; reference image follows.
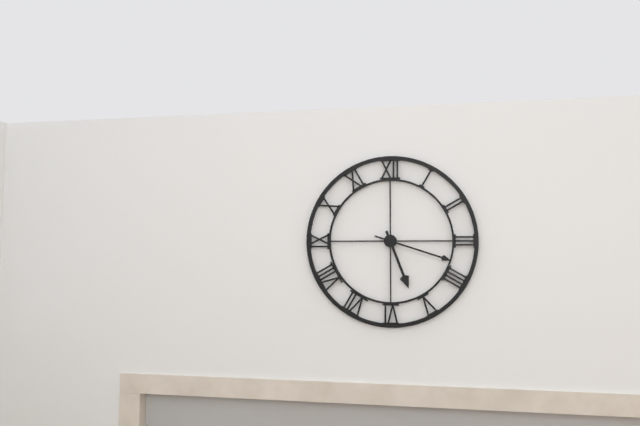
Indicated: **5:18**
